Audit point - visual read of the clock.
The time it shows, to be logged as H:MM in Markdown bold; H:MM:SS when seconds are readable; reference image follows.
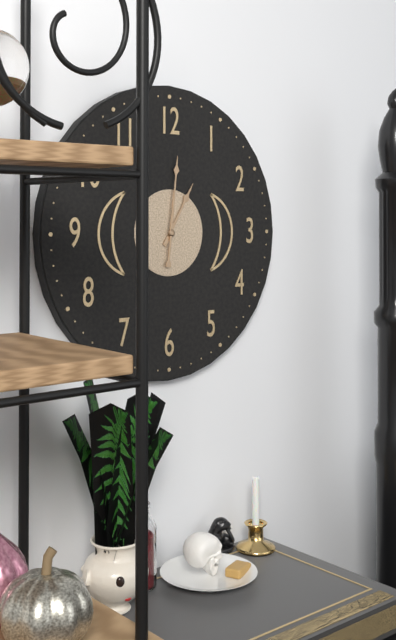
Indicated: **1:01**
